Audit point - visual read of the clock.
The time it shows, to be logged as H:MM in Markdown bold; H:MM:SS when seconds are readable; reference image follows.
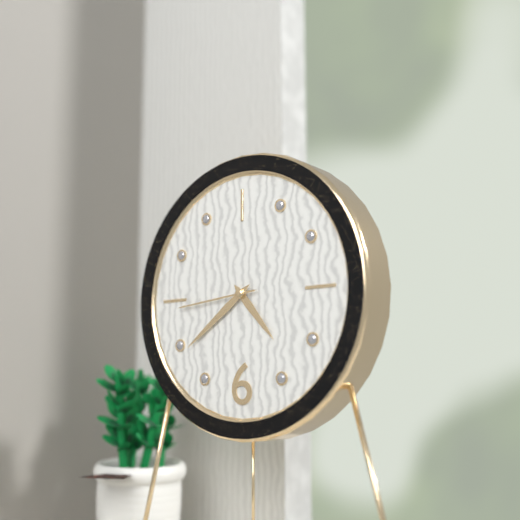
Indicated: **4:39:44**
